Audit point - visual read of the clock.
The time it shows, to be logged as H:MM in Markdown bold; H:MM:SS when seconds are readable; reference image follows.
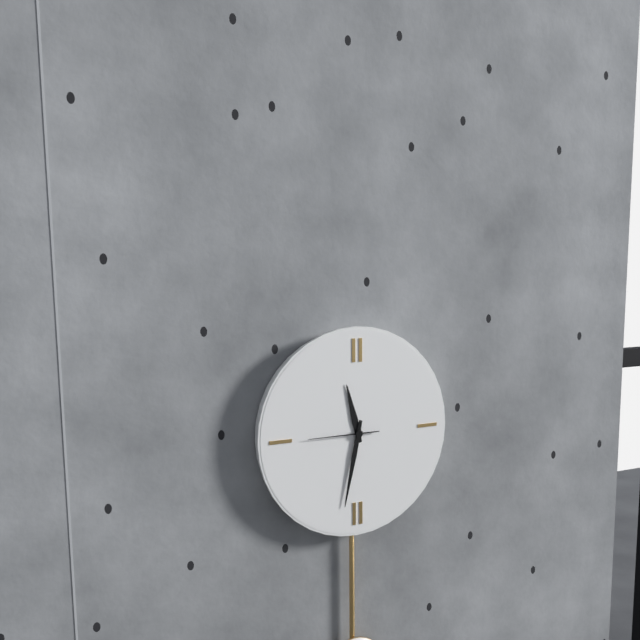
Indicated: **11:32:45**
